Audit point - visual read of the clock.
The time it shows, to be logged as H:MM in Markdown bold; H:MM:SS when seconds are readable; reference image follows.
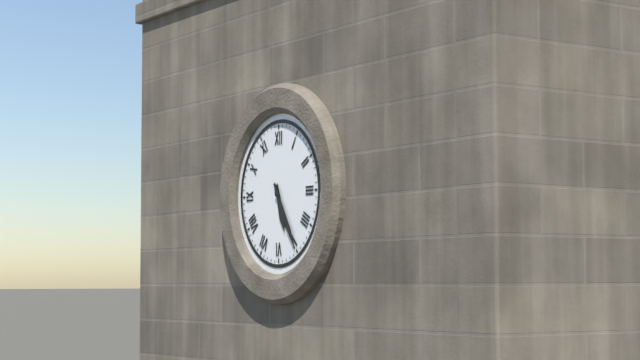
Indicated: **5:25**
